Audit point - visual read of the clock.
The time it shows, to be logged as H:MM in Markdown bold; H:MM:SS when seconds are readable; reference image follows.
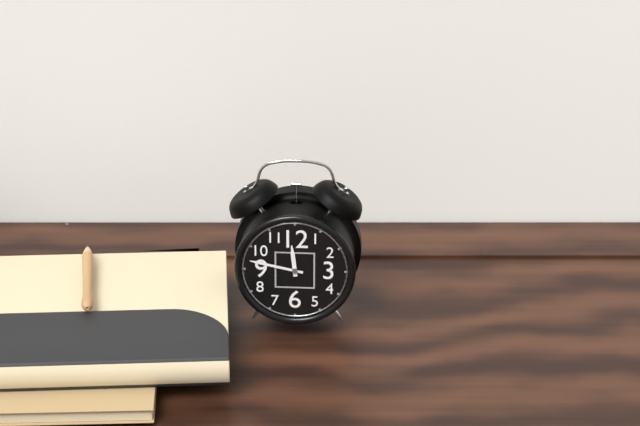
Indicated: **11:47**
